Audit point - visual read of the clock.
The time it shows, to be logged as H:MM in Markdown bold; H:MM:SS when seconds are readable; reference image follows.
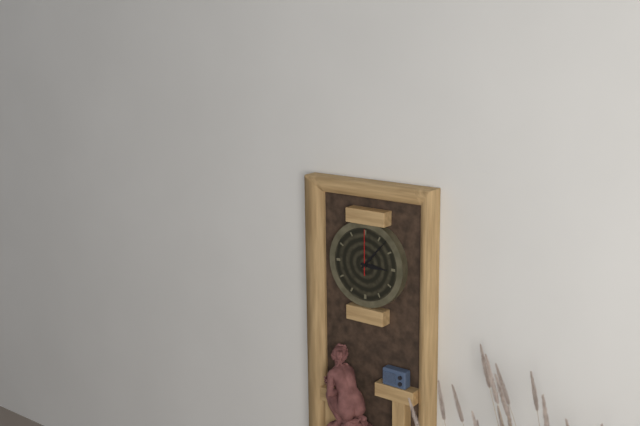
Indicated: **3:07**
